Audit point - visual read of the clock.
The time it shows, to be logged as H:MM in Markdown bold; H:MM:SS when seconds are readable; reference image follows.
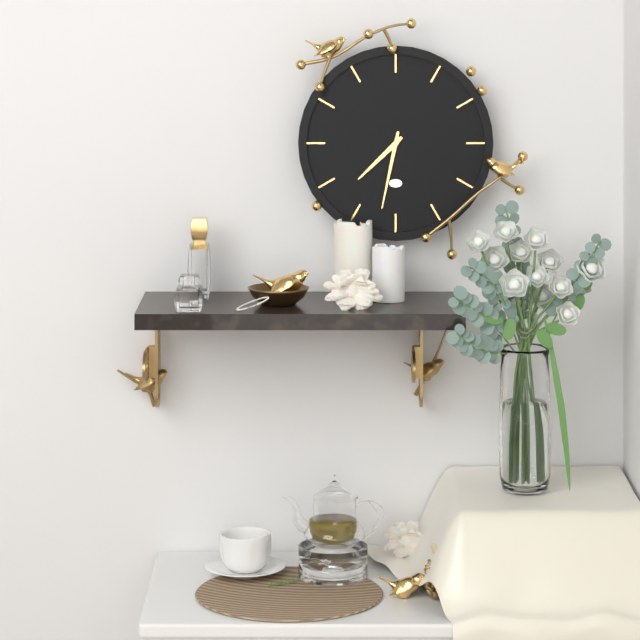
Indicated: **7:32**
